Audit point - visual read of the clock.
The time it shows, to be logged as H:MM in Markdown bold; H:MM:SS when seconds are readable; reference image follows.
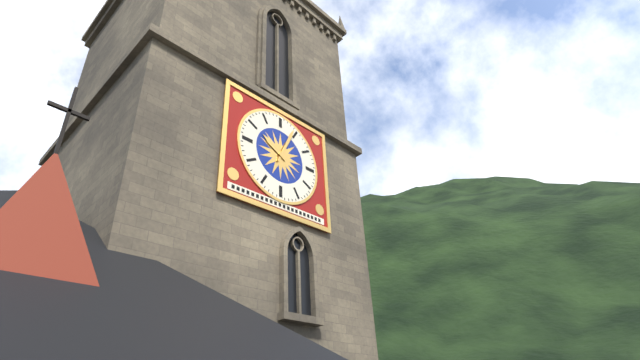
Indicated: **10:04**
